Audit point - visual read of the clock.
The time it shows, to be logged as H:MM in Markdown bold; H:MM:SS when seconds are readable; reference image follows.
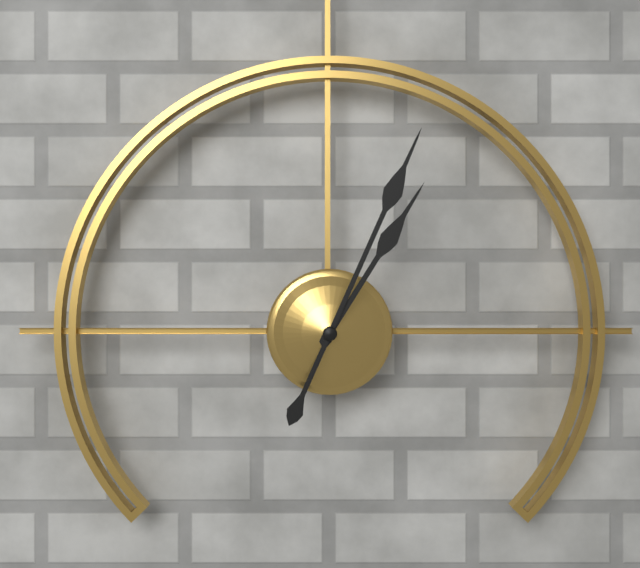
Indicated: **1:04**
